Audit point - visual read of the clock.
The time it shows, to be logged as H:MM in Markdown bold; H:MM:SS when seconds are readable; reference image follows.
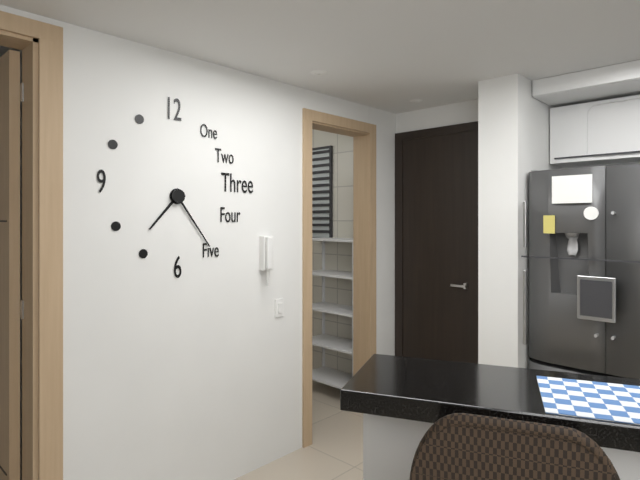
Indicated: **7:24**
